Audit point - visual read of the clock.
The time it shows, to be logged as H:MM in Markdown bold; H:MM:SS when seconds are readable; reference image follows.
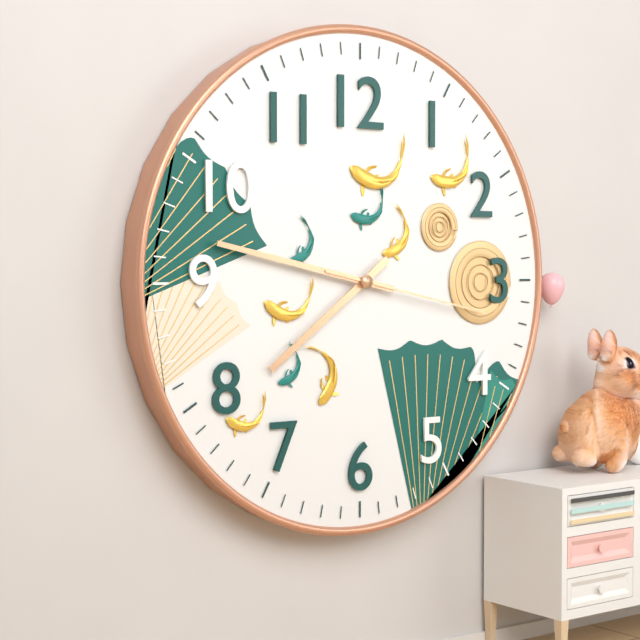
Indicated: **7:47:17**
